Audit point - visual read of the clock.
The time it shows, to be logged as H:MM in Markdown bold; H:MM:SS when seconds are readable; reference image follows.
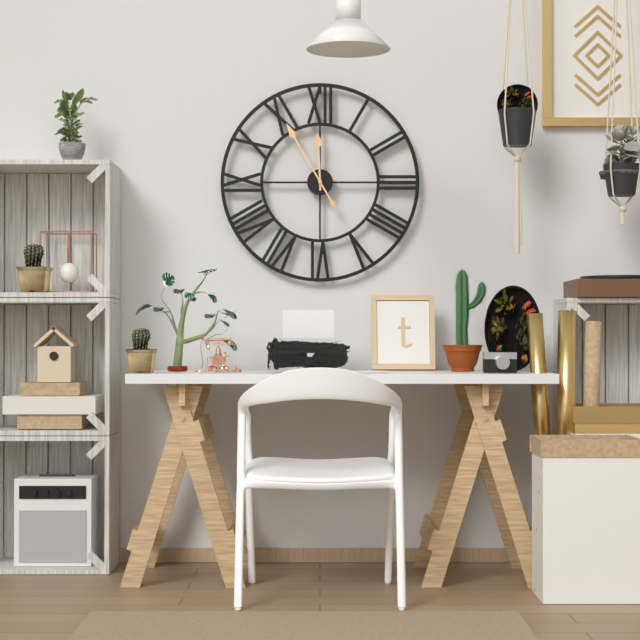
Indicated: **11:55**
